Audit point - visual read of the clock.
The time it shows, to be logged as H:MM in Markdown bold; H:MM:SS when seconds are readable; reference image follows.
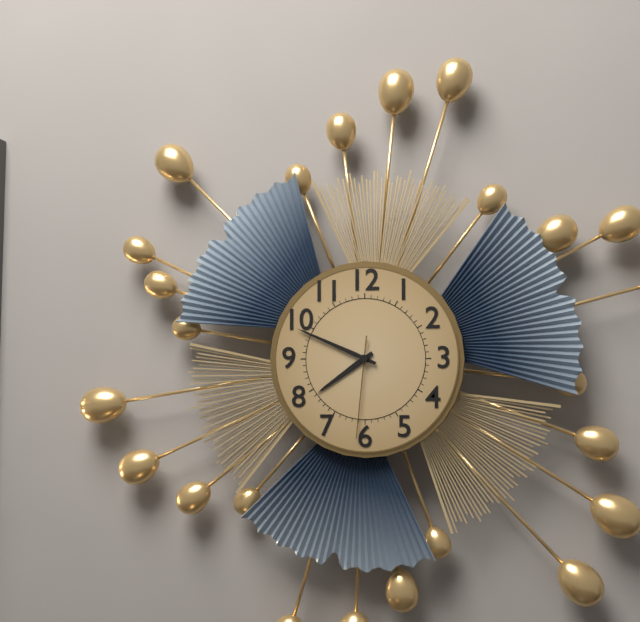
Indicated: **7:49:31**
